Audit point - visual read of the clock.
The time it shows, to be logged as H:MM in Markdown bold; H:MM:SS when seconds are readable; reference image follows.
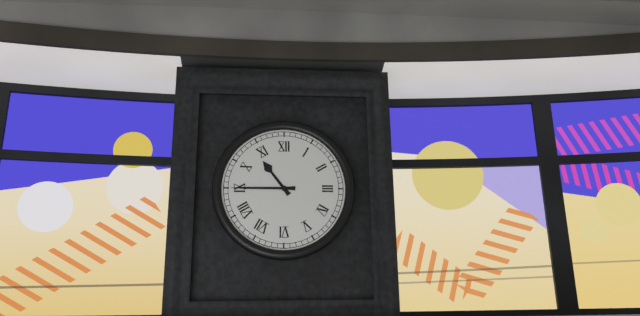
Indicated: **10:45**
